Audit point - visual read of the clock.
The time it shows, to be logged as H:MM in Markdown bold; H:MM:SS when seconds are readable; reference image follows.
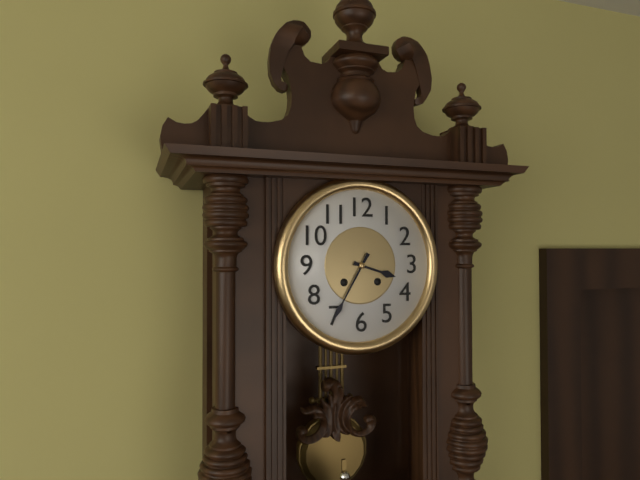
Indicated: **3:35**
